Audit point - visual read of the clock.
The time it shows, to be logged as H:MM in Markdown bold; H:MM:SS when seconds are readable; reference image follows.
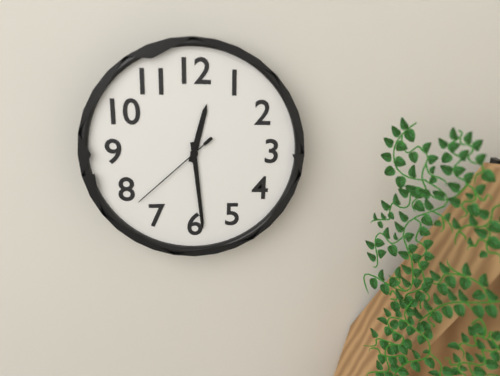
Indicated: **12:29:38**
